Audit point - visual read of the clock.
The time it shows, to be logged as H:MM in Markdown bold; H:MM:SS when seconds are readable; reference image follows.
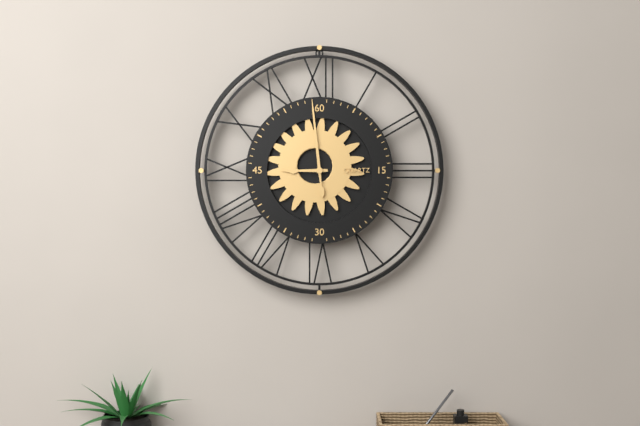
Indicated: **8:59**
